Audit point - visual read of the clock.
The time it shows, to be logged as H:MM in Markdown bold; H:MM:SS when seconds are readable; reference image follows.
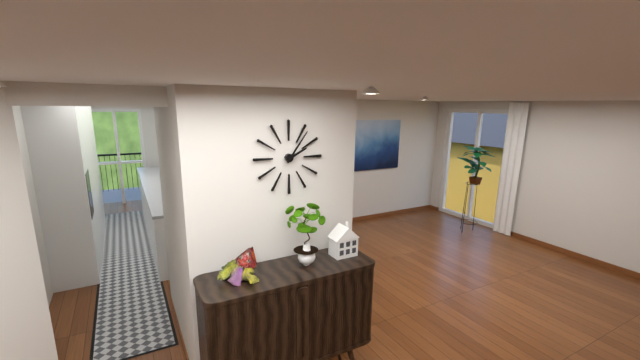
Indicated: **2:06**
